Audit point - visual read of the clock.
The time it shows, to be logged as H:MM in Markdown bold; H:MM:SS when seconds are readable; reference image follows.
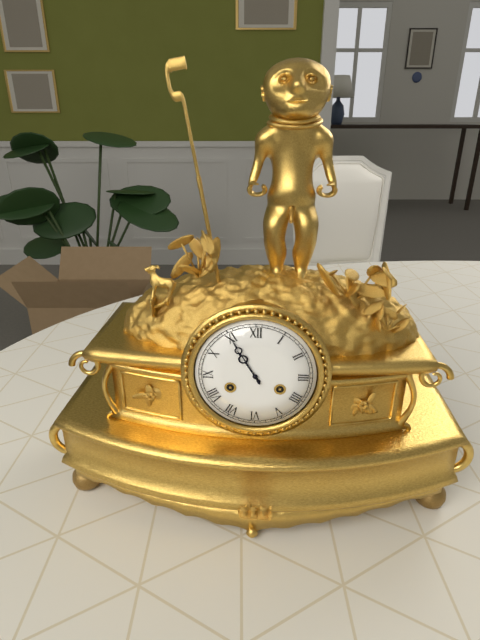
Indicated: **10:55**
